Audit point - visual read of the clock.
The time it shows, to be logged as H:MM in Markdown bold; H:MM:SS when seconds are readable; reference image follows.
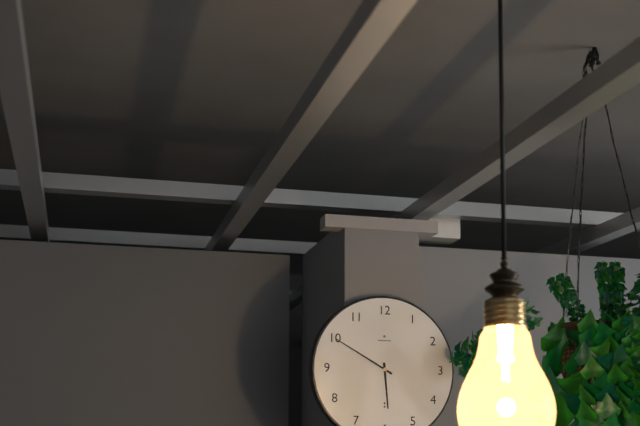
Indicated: **5:50**
